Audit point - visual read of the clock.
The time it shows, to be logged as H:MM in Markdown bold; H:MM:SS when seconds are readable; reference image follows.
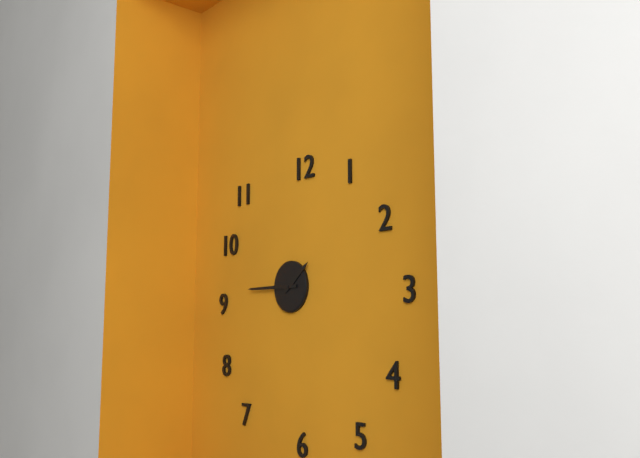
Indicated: **1:45**
